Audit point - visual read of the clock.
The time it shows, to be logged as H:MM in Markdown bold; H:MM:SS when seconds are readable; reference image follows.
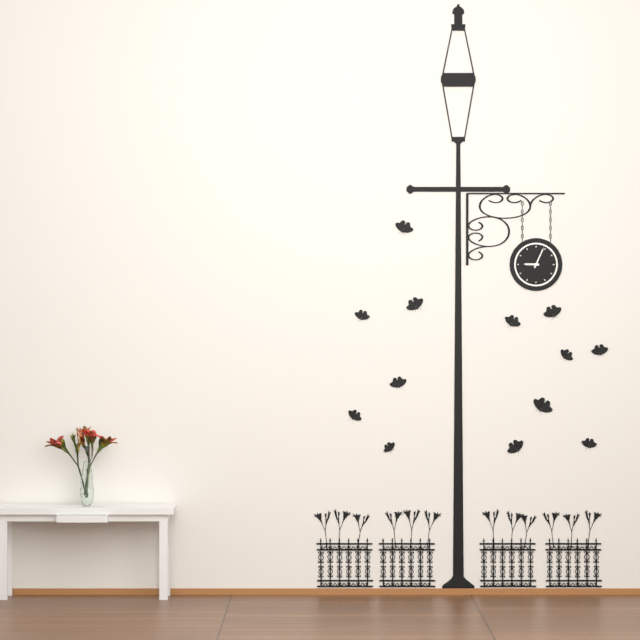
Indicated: **9:04**
